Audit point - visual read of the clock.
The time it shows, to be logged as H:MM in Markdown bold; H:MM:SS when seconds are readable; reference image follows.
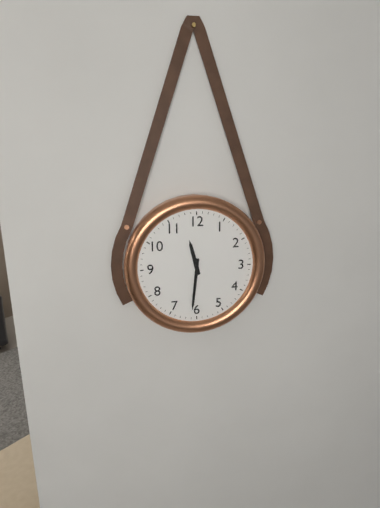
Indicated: **11:31**
